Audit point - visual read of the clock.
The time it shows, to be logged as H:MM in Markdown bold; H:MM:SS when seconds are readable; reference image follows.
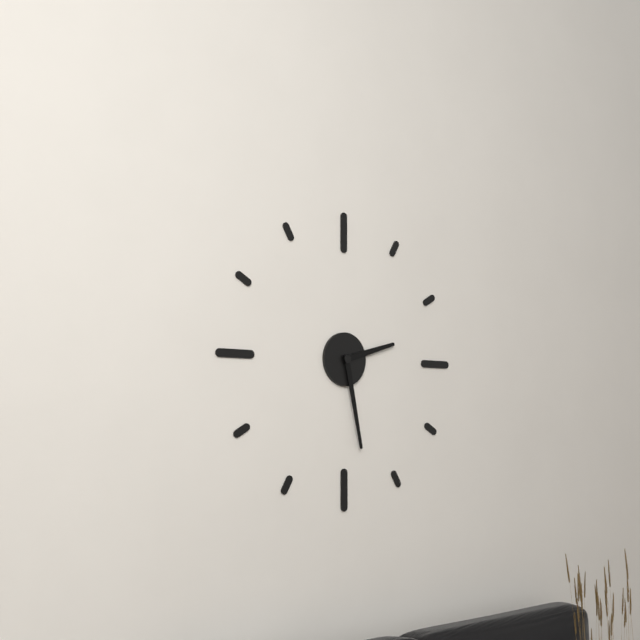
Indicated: **2:28**
